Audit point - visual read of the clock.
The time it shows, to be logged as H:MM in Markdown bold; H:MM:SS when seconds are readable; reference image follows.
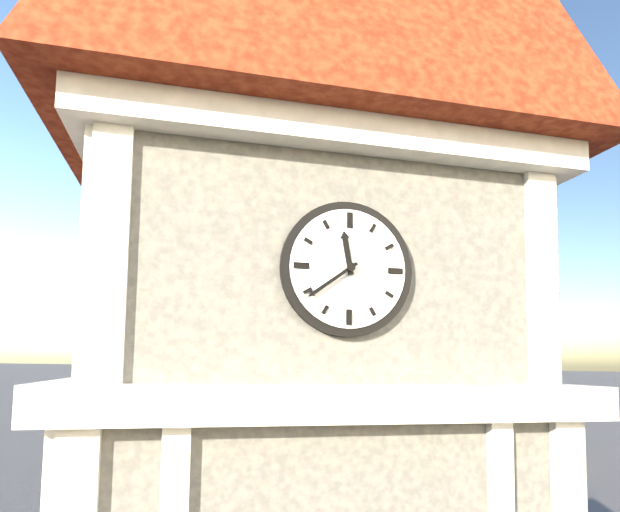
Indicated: **11:39**
